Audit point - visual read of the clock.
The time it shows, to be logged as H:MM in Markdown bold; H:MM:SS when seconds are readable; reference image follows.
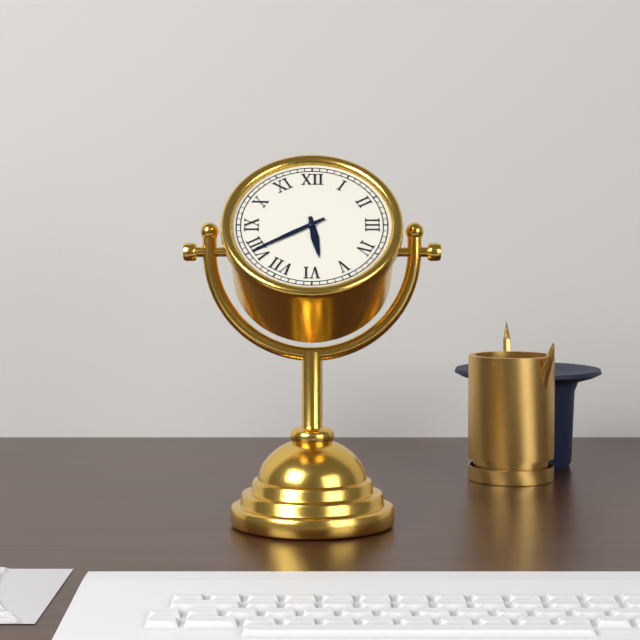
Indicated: **5:40**
